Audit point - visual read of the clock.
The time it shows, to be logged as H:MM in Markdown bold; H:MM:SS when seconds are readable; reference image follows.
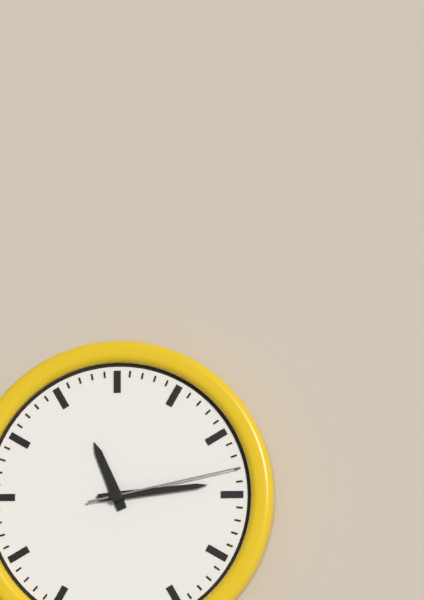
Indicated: **11:14:13**
